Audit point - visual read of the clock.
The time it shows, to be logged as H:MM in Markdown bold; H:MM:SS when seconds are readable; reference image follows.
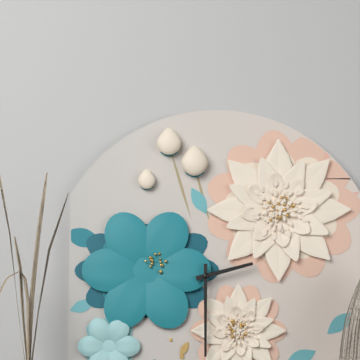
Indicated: **2:30**
